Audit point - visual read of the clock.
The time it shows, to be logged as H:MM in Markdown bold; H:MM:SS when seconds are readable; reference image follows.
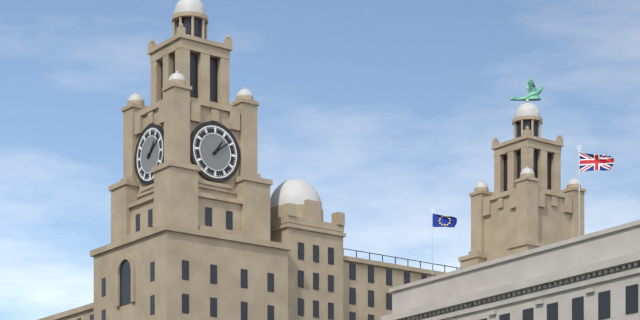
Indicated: **1:09**
